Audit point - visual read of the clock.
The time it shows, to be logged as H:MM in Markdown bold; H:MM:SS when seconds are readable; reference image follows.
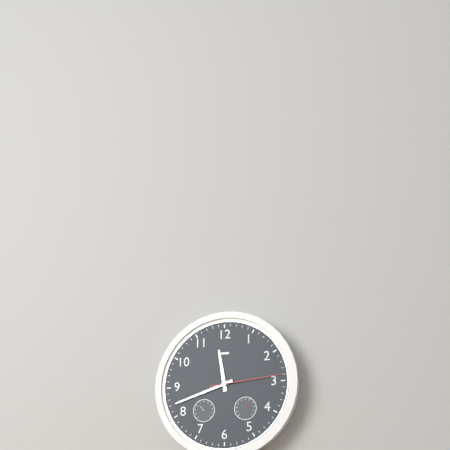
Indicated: **11:42:14**
